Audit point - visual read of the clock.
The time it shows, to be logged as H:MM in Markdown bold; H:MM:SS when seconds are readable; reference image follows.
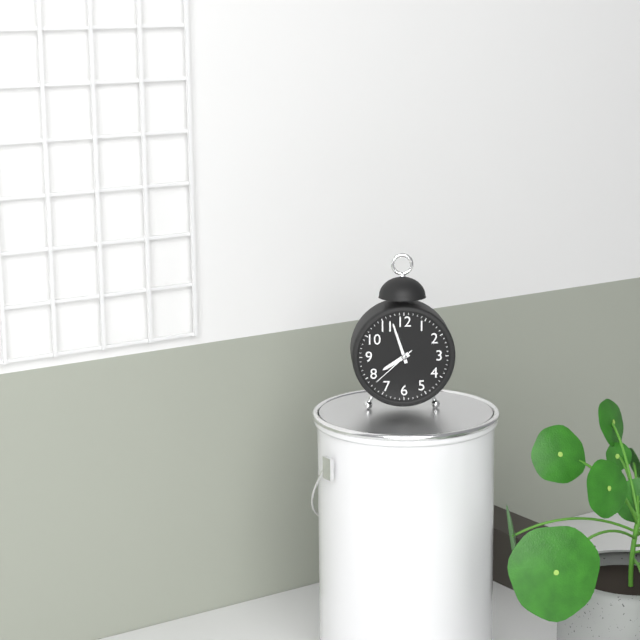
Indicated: **7:57**
